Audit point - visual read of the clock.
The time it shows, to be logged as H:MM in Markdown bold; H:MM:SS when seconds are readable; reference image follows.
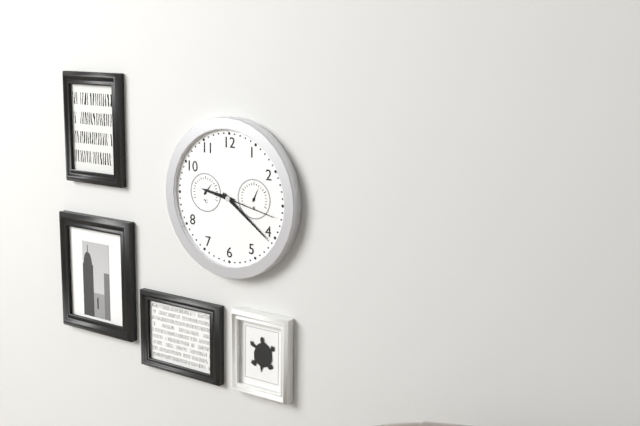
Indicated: **9:21:17**
